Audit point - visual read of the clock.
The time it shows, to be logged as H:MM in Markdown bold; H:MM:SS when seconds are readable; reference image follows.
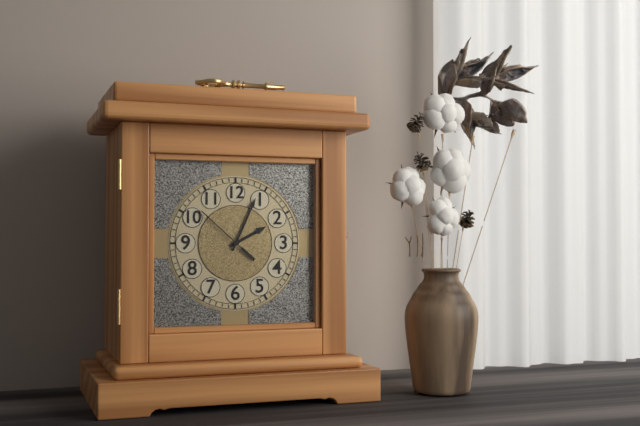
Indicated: **2:04:52**
